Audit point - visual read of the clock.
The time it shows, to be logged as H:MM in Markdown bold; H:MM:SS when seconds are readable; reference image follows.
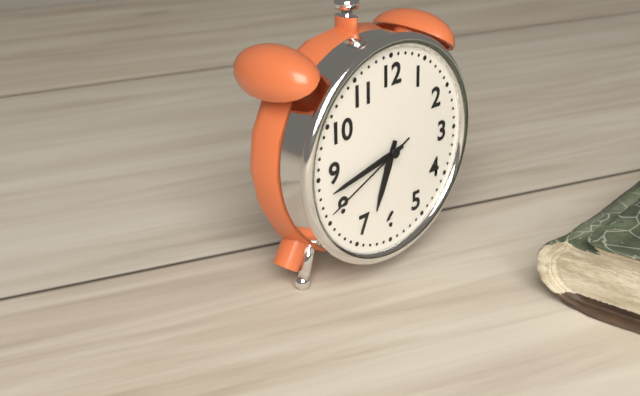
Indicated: **6:43:41**
